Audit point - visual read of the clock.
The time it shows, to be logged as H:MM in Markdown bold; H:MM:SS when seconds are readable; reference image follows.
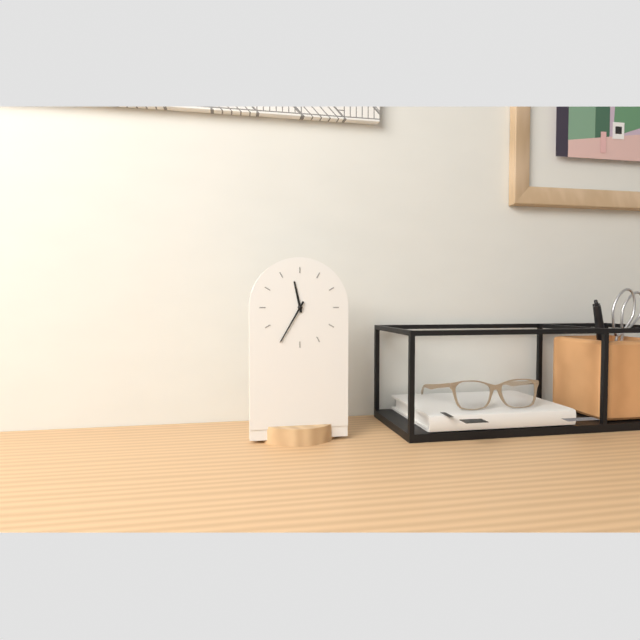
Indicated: **11:35**
